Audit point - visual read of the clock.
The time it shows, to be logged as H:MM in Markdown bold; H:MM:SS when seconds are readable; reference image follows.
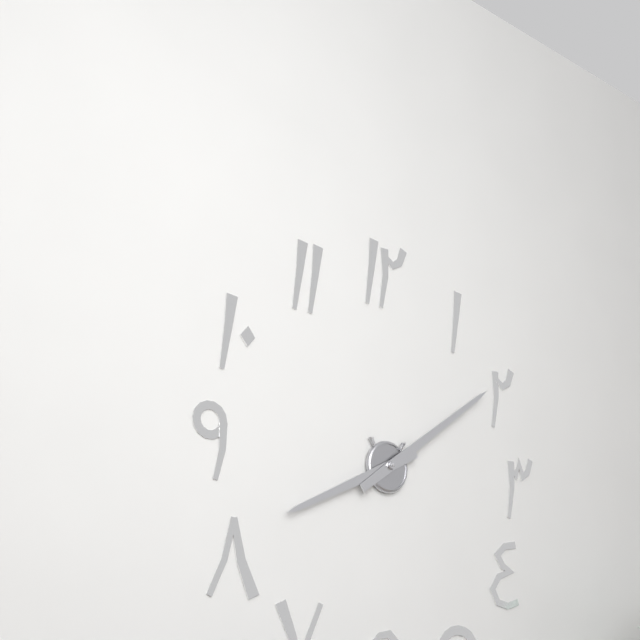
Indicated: **8:09**
